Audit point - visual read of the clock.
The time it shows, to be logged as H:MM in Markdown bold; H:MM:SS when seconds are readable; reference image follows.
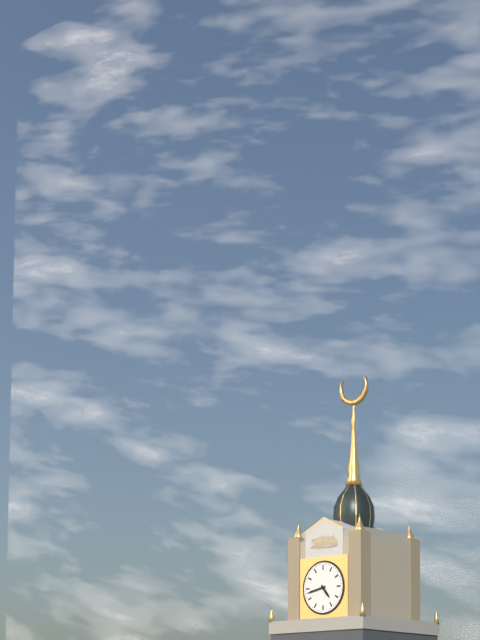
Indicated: **4:43**
